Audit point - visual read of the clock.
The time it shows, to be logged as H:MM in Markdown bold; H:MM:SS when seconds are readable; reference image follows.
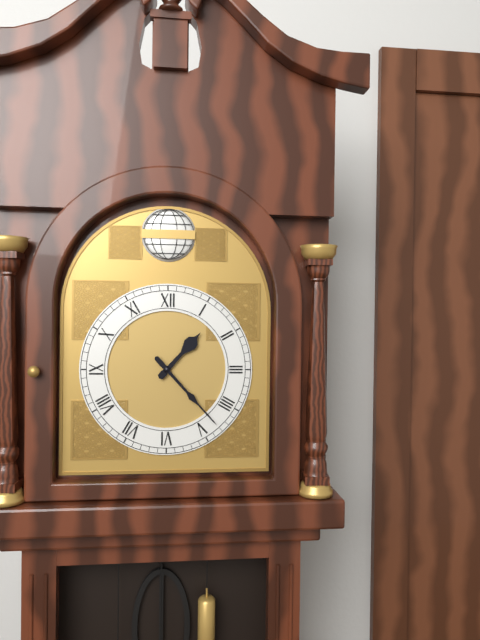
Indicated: **1:23**
